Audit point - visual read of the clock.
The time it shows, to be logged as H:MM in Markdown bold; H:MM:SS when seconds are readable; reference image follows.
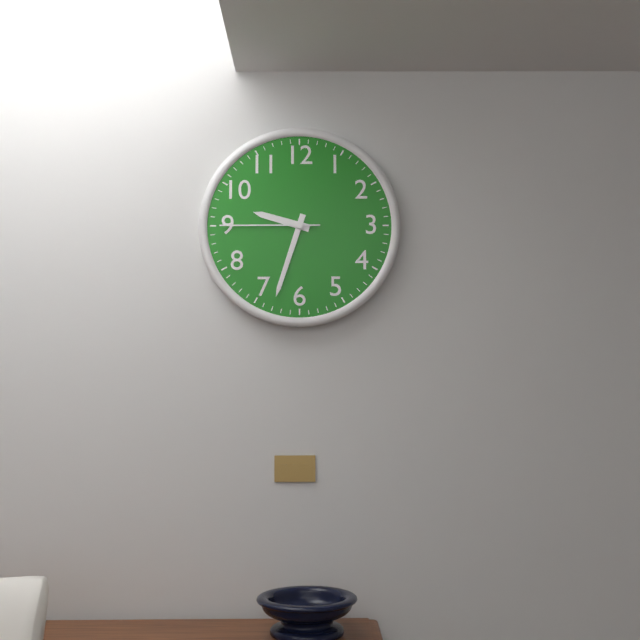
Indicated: **9:33:45**
